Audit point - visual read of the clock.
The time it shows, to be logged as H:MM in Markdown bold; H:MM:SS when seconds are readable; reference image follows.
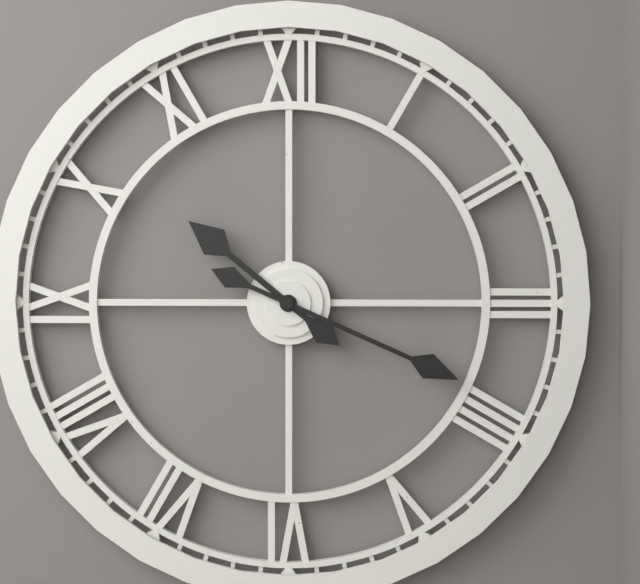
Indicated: **10:19**
